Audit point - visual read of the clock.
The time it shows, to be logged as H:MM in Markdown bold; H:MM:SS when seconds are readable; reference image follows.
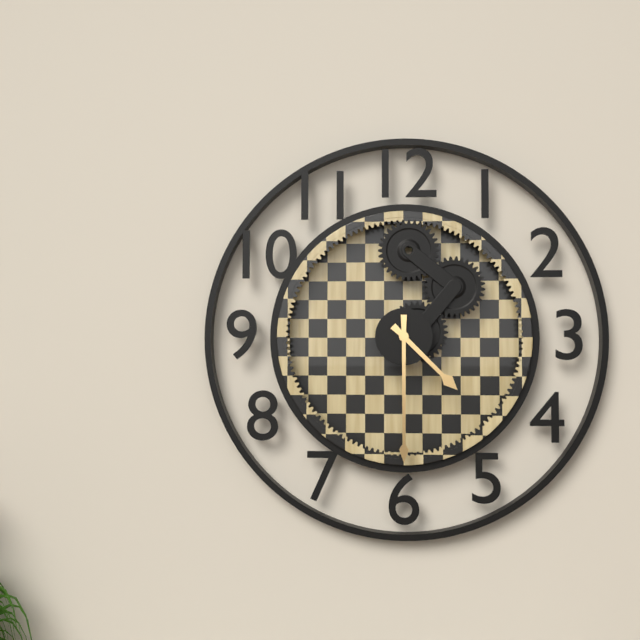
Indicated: **4:30**
